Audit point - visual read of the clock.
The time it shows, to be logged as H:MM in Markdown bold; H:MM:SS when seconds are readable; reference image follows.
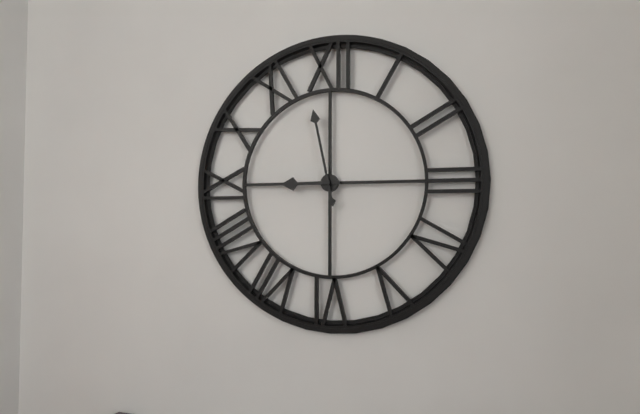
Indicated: **8:58**
